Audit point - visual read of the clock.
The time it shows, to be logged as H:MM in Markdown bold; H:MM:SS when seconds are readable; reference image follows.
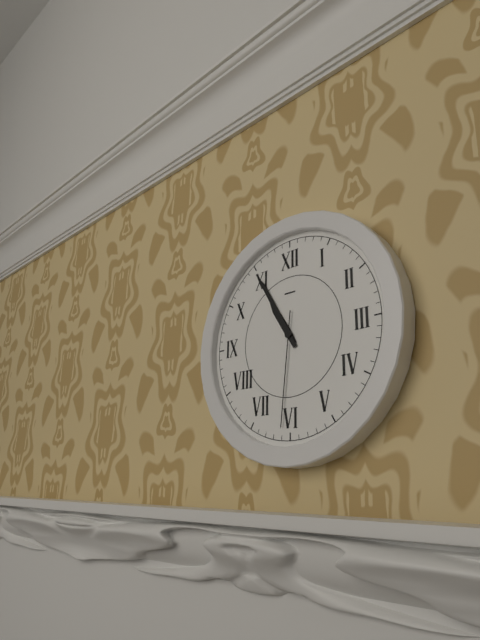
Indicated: **10:55:31**
